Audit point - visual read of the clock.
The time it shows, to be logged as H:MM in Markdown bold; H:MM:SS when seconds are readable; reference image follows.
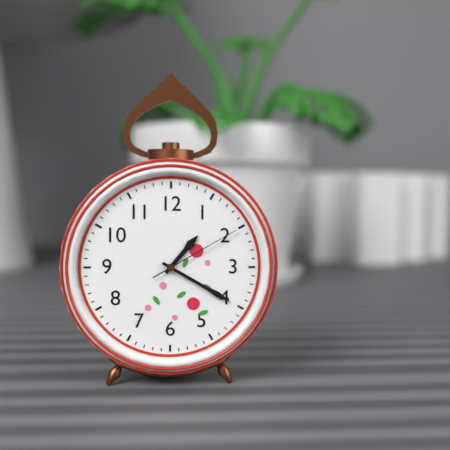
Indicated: **1:20:10**
